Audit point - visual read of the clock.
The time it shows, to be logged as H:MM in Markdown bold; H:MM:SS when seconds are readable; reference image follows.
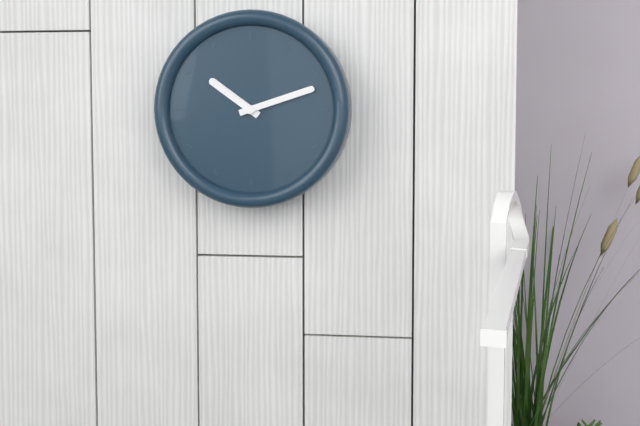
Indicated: **10:12**
